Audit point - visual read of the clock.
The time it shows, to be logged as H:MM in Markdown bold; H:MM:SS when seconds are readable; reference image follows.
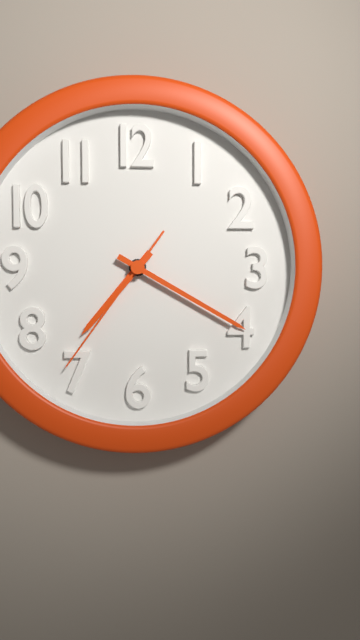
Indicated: **7:20:36**
